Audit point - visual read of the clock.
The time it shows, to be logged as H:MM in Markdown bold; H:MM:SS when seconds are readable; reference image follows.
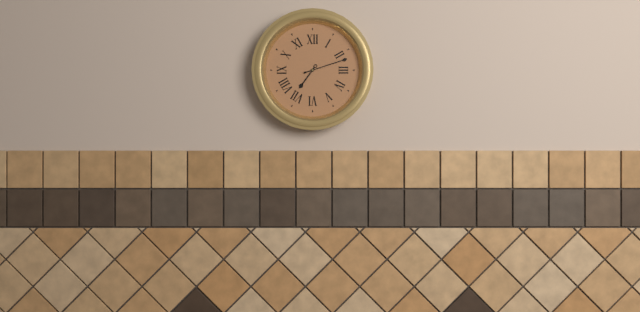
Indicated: **7:12**
